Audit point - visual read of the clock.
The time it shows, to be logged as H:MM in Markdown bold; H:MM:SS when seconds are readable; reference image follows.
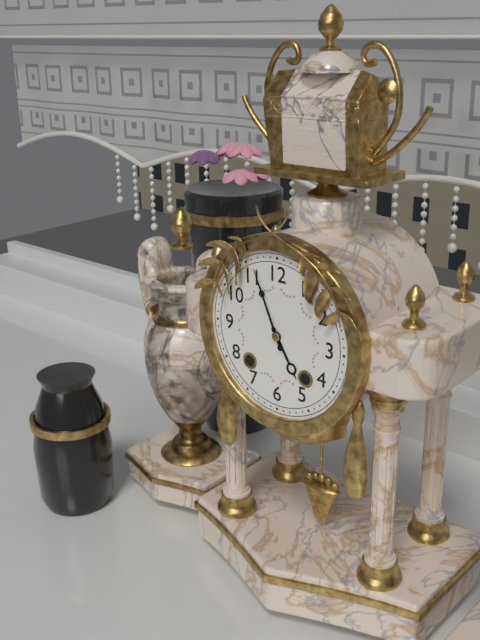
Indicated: **4:56**
